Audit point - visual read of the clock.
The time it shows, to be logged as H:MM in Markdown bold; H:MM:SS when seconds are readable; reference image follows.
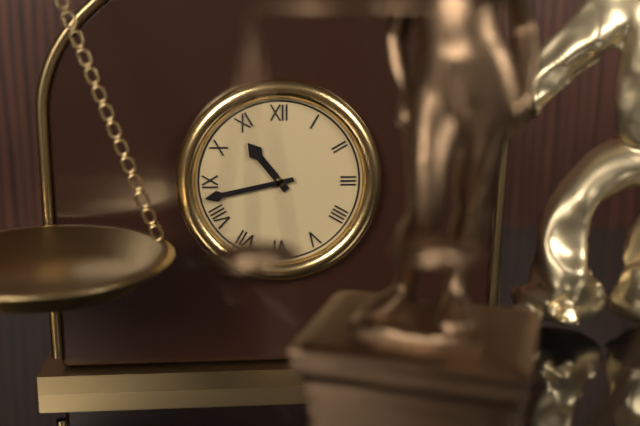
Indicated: **10:43**
